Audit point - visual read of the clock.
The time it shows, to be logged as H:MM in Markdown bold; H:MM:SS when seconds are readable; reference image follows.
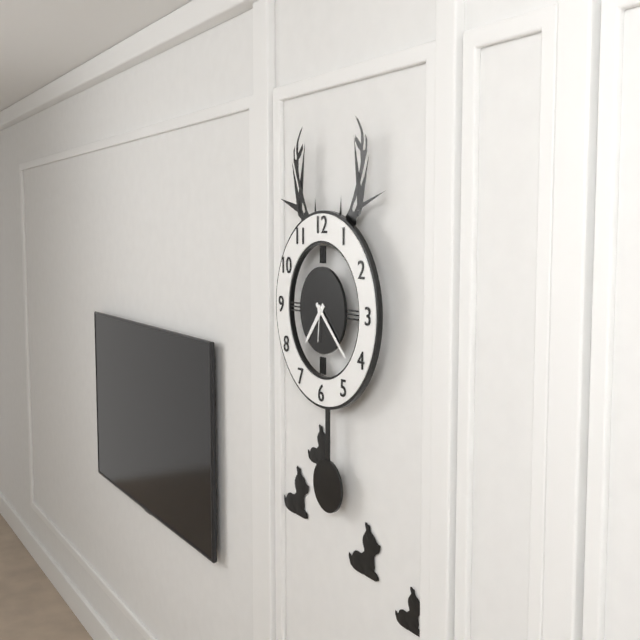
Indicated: **7:22**
